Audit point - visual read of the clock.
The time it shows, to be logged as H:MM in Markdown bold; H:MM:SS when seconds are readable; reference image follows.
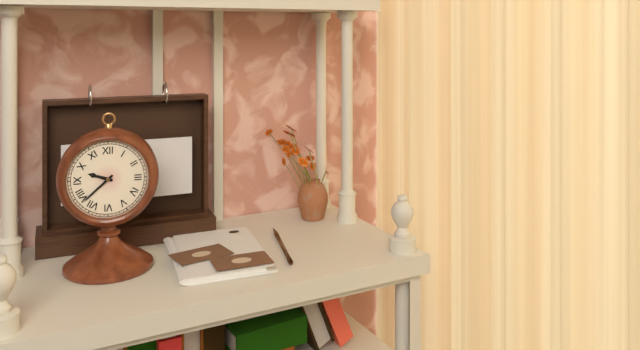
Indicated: **9:38**
